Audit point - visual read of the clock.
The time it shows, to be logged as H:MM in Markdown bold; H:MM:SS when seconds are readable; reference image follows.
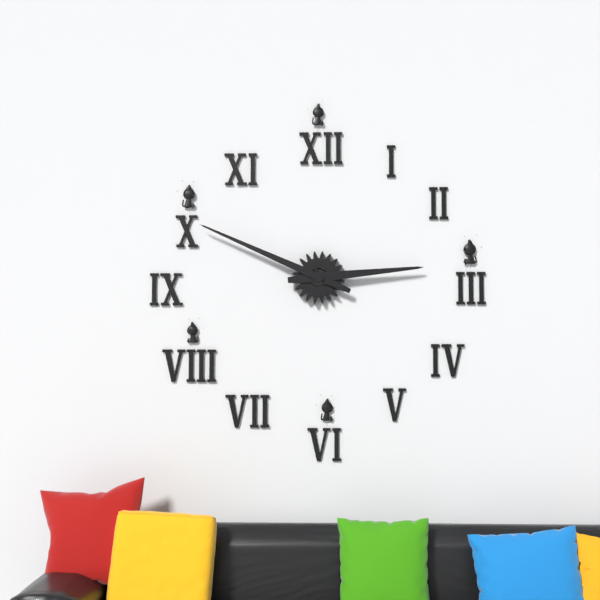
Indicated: **2:49**
